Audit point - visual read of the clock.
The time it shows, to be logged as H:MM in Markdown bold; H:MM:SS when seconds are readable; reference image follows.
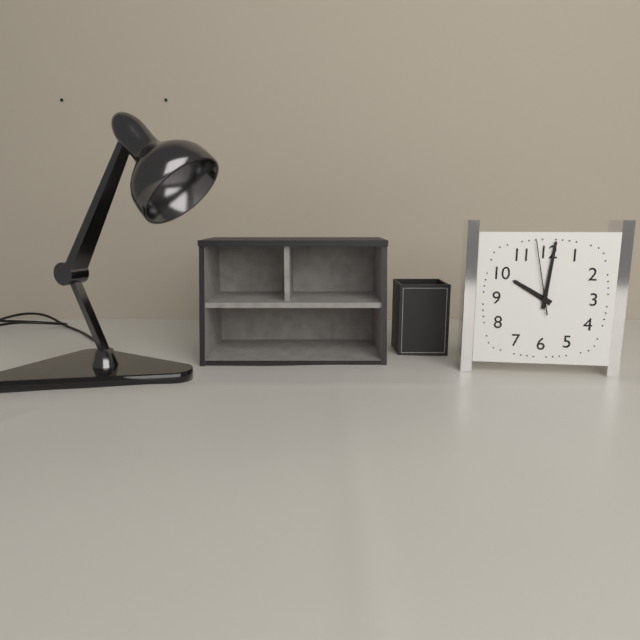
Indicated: **10:01:58**
